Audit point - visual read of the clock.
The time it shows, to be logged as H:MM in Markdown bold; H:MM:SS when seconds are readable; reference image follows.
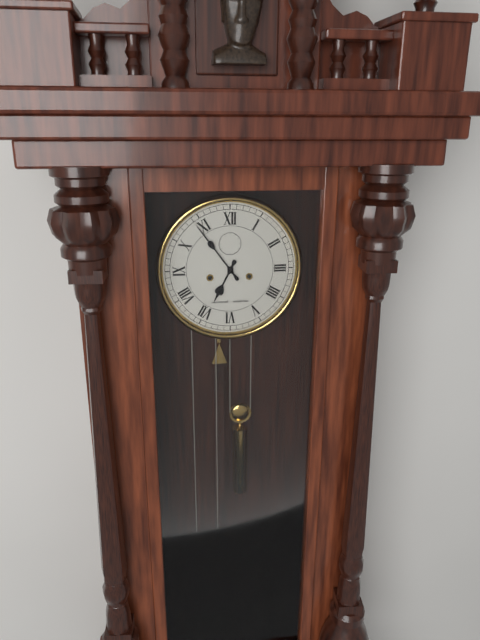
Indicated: **6:54**
